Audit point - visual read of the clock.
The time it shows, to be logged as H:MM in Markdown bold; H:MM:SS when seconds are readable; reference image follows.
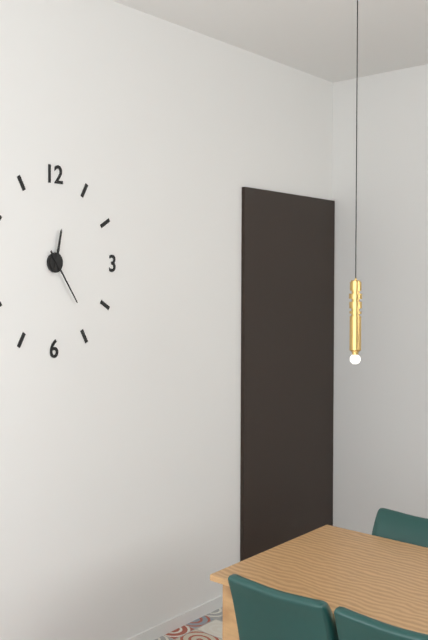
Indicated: **12:24**
